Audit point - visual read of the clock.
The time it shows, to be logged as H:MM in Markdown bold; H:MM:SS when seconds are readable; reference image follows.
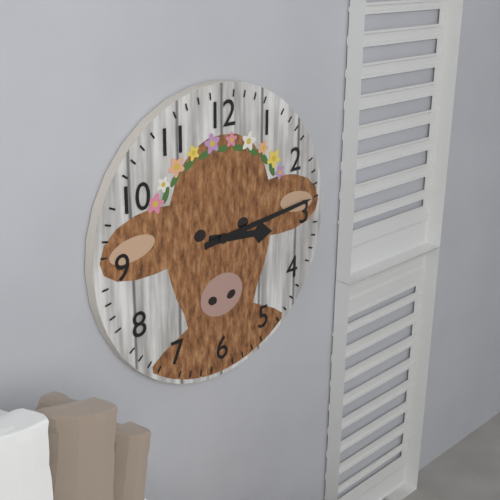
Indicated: **3:14**
